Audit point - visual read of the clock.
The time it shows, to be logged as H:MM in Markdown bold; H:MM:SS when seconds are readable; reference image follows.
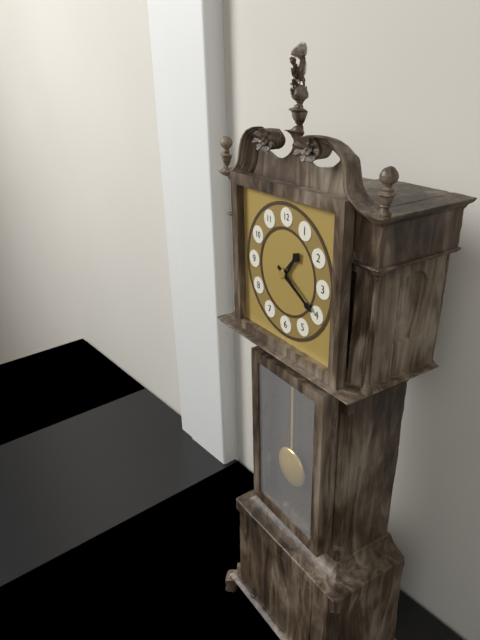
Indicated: **1:20**
